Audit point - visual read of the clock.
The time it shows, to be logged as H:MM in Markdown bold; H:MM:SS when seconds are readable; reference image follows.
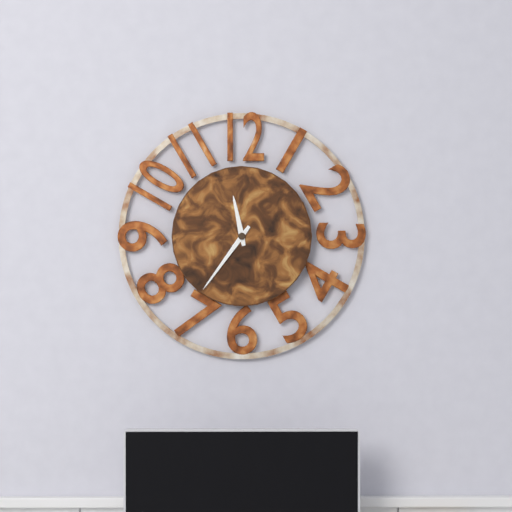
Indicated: **11:36**
